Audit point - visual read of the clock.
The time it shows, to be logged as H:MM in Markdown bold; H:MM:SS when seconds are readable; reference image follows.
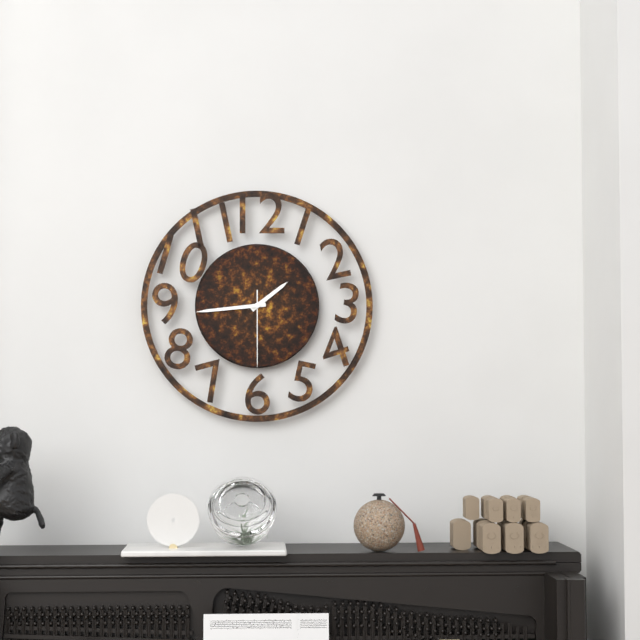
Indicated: **1:44:30**
